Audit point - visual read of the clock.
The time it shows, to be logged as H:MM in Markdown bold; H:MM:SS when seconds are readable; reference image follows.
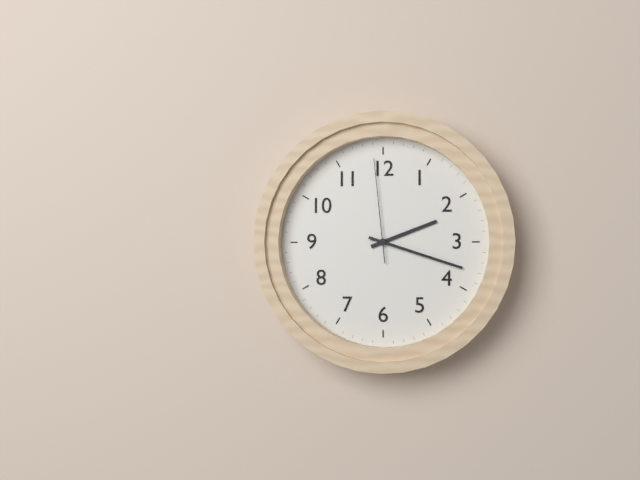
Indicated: **2:18:59**
